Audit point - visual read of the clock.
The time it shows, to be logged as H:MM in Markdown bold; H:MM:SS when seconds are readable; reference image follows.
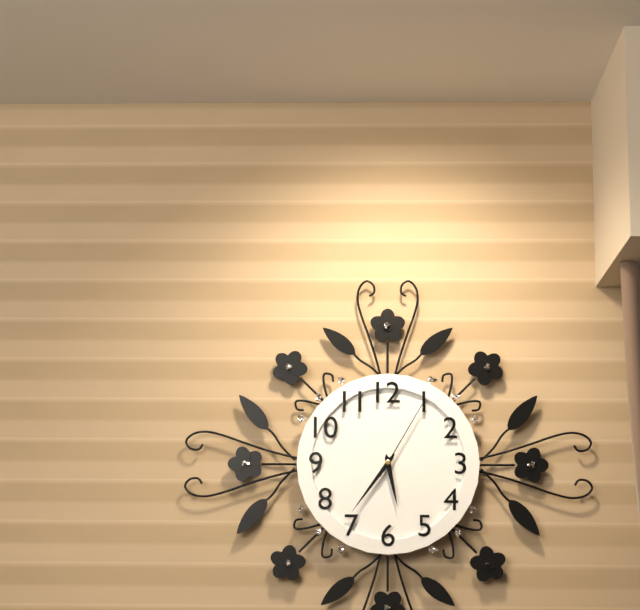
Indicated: **5:36:05**
